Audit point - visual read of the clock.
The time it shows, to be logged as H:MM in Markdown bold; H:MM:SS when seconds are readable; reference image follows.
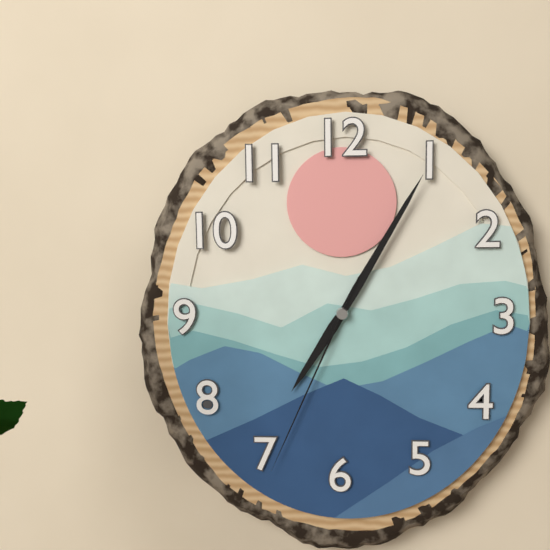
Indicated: **7:05:34**
